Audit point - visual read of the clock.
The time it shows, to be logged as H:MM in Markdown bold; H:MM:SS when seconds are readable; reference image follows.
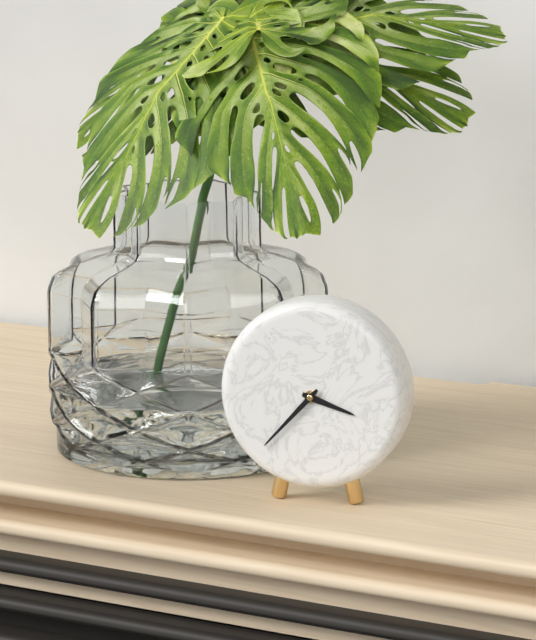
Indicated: **3:37**
